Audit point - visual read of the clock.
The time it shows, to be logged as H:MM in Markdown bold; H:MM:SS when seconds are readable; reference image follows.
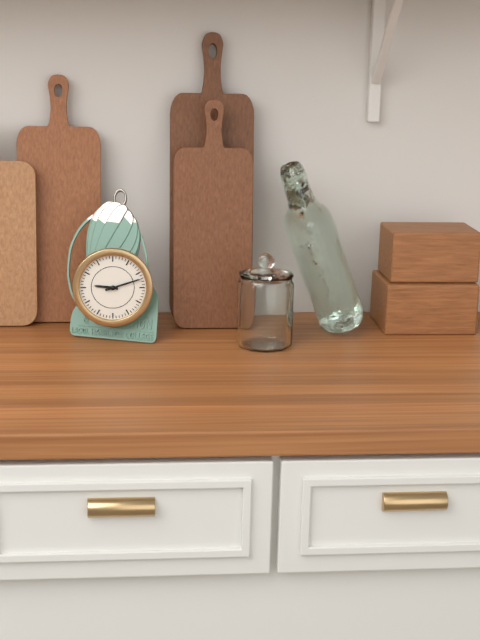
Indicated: **9:12**
